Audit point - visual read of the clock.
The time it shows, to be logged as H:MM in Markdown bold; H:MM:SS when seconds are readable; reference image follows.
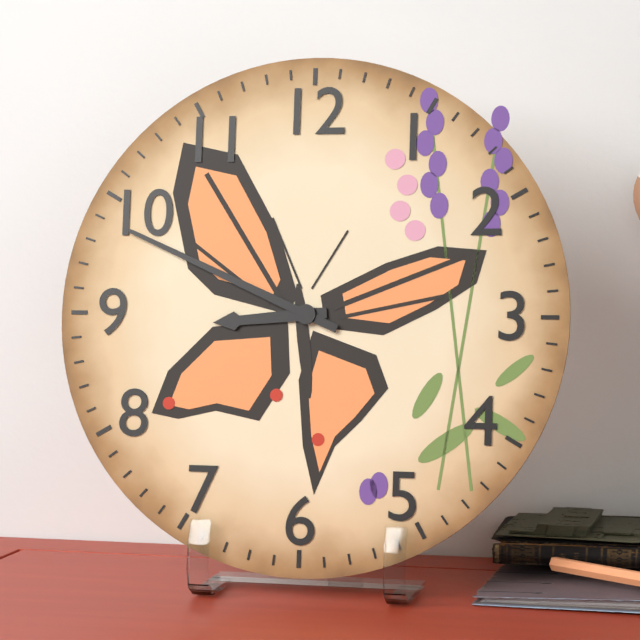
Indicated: **8:49**
